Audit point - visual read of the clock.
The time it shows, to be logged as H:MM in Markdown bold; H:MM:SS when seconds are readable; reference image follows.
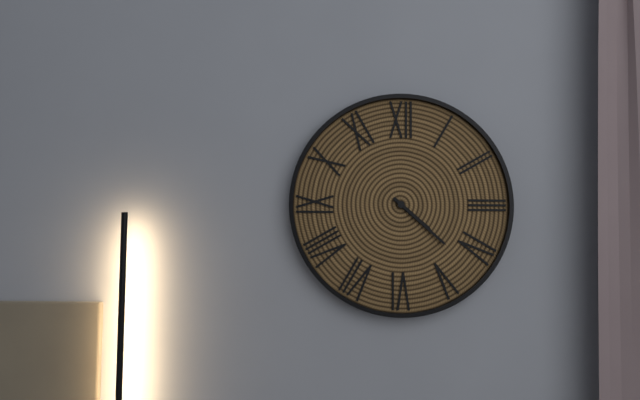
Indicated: **4:22**
